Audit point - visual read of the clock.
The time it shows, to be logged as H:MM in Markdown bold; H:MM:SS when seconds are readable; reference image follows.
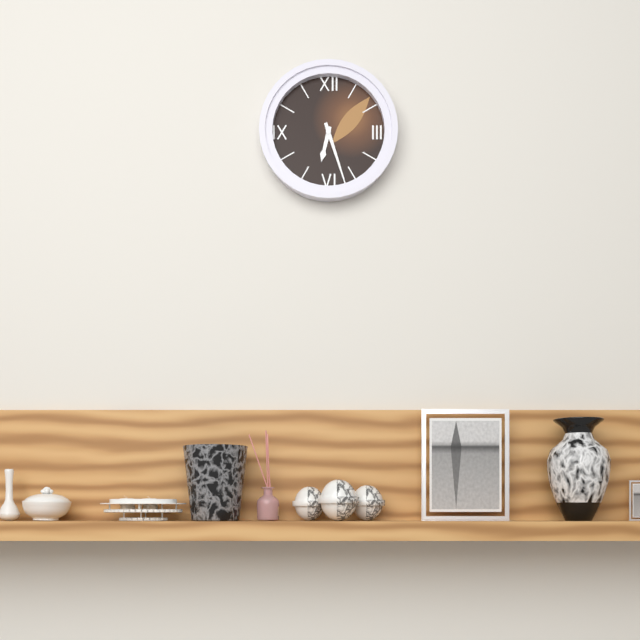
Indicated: **6:27**
